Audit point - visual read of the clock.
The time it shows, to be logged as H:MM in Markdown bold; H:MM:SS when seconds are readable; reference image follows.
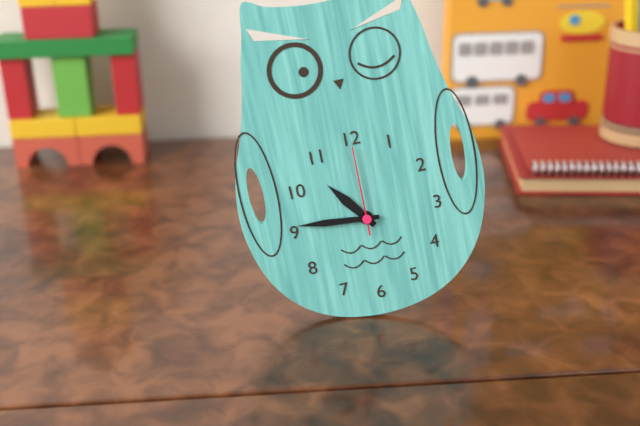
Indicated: **10:46:00**
